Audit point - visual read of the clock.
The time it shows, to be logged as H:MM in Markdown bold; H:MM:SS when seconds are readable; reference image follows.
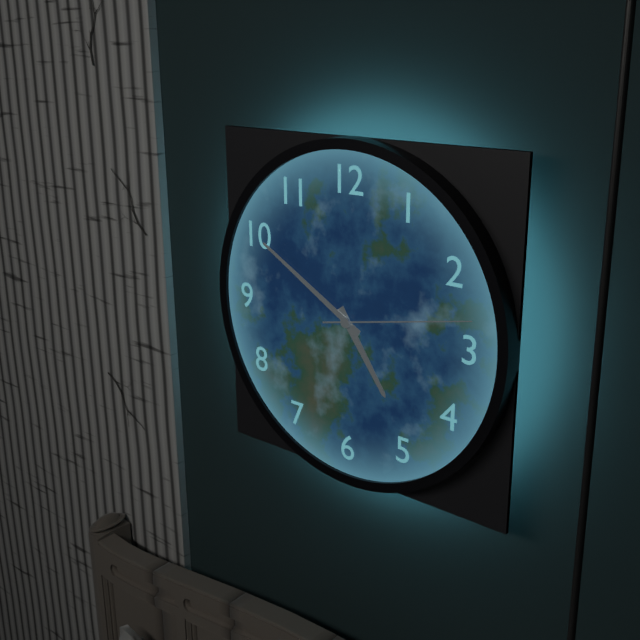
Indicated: **4:50:13**
